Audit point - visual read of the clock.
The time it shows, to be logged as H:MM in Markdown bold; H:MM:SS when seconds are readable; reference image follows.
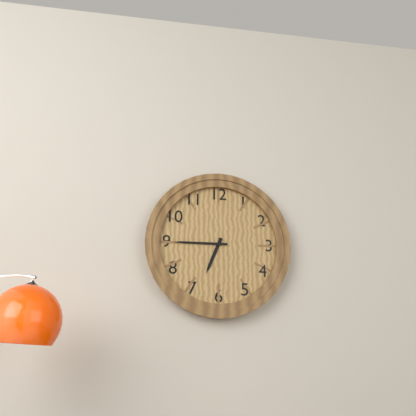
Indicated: **6:45**
